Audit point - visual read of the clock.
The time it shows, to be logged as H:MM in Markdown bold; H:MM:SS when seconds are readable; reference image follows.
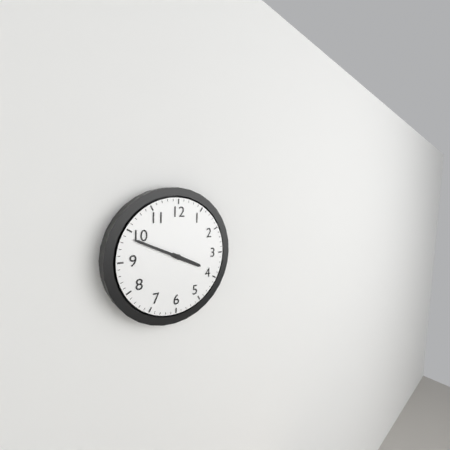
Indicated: **3:49**
